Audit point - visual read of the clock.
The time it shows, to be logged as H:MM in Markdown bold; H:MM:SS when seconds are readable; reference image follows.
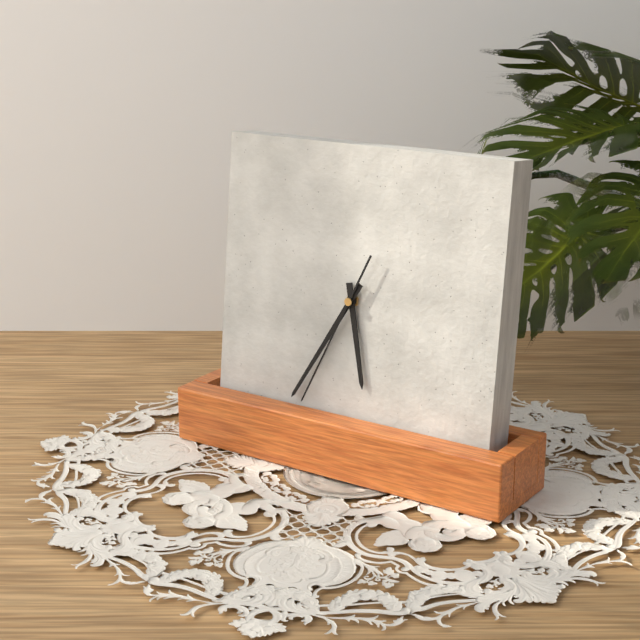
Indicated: **5:35:34**
